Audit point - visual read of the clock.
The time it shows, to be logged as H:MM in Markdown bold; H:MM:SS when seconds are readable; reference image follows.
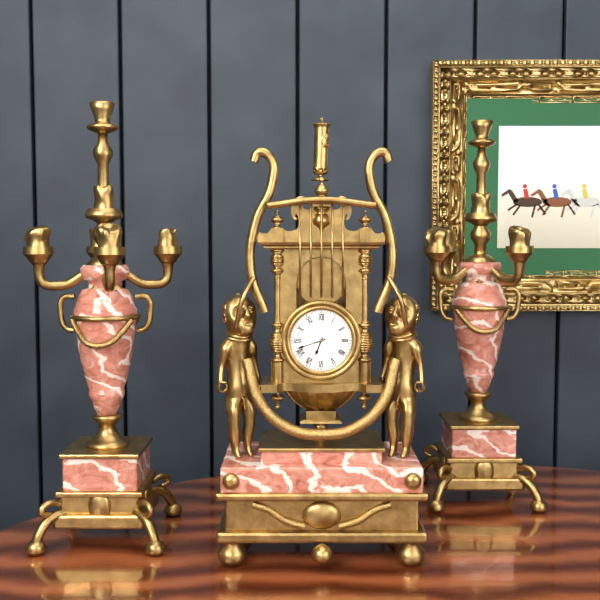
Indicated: **6:42**
